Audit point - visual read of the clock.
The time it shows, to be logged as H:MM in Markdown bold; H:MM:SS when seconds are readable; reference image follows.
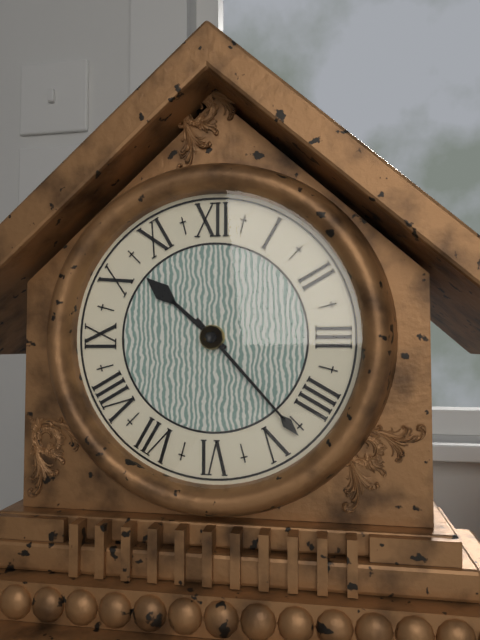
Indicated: **10:23**
